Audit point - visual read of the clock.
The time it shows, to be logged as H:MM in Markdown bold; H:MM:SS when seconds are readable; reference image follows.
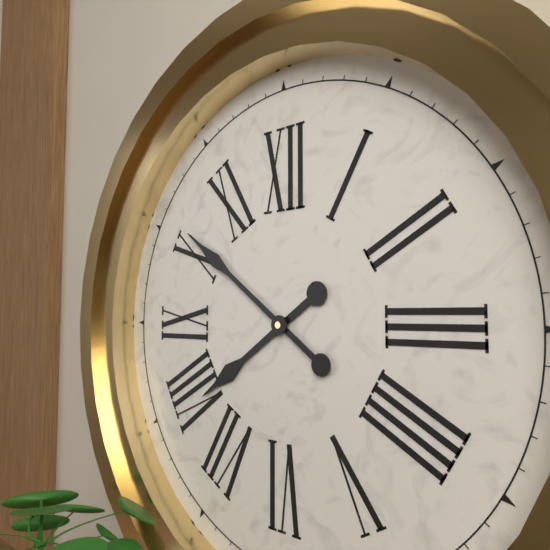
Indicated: **7:51**
